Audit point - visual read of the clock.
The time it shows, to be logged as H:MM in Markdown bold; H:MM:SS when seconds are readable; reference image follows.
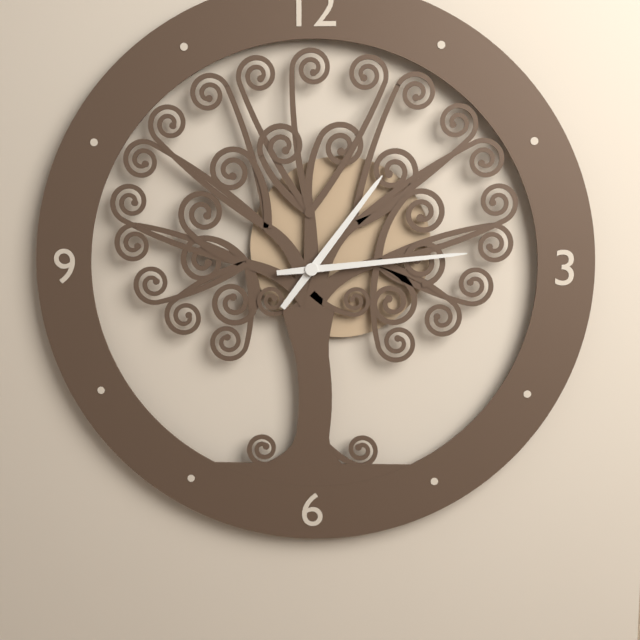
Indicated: **1:14**
